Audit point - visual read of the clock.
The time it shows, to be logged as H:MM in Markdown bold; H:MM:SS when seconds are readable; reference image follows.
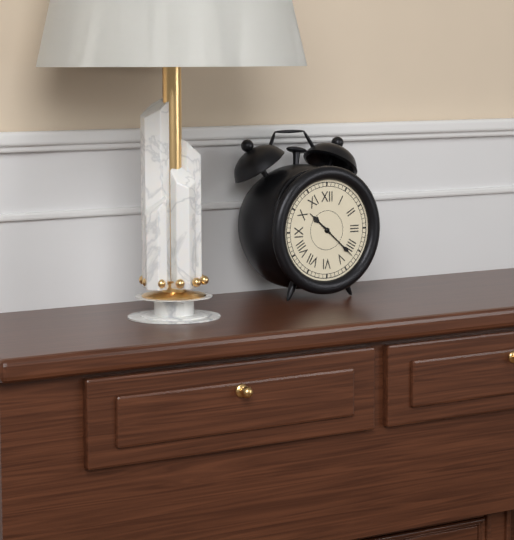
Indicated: **10:22**
